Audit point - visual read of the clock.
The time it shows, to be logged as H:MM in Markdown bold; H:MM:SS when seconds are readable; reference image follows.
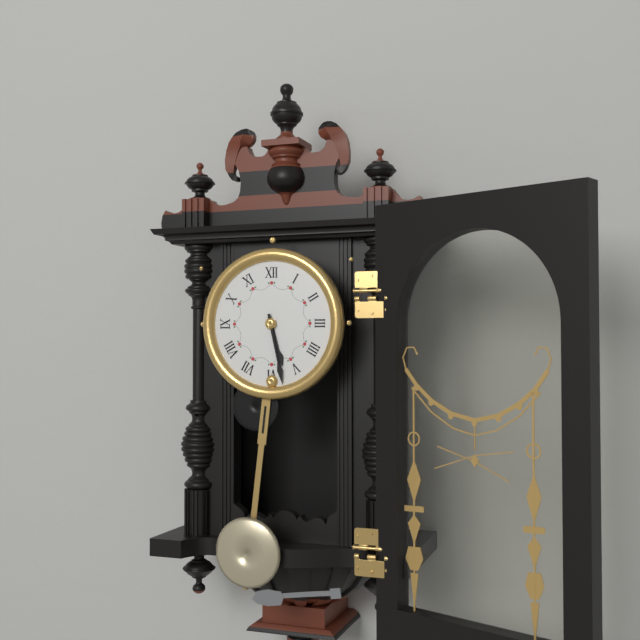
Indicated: **5:28**
